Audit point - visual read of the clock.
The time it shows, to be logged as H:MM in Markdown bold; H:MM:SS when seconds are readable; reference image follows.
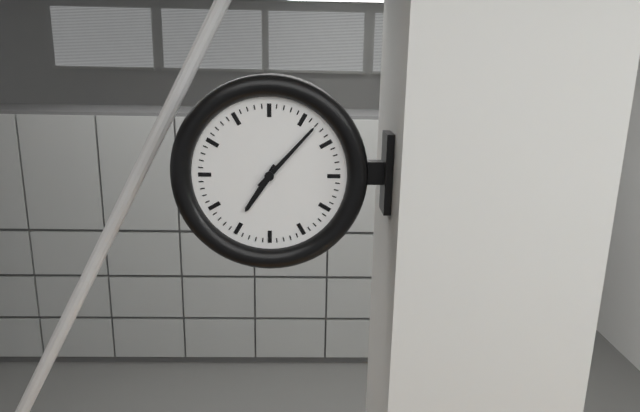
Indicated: **7:07**
